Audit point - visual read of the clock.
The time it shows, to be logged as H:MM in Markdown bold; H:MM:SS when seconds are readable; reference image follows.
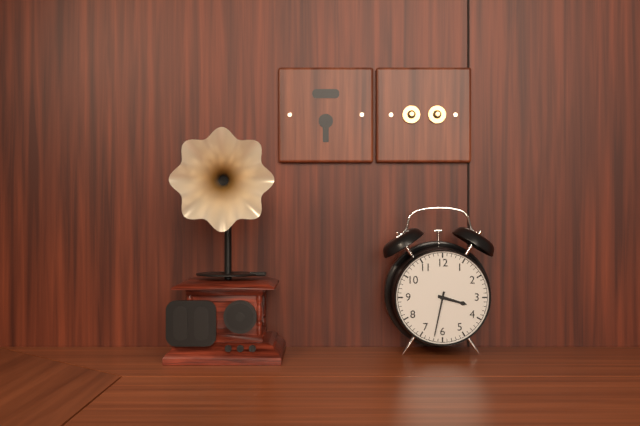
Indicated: **3:32**
